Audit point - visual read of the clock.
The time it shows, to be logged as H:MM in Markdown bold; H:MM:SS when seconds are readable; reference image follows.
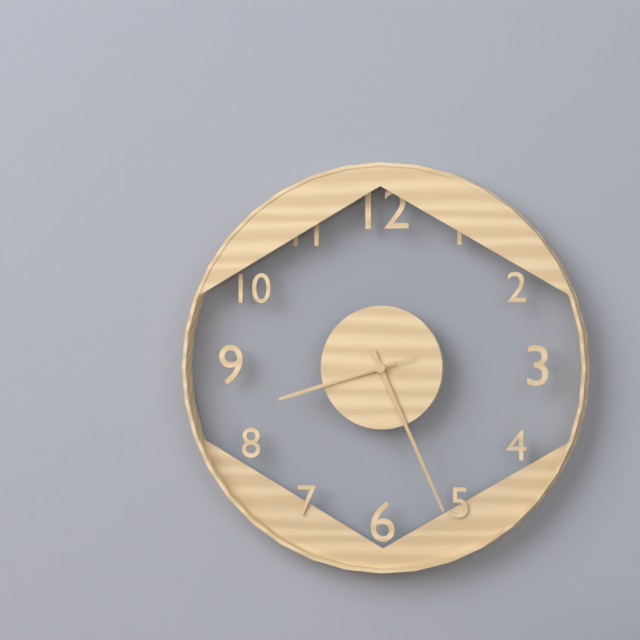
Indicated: **8:26:42**
